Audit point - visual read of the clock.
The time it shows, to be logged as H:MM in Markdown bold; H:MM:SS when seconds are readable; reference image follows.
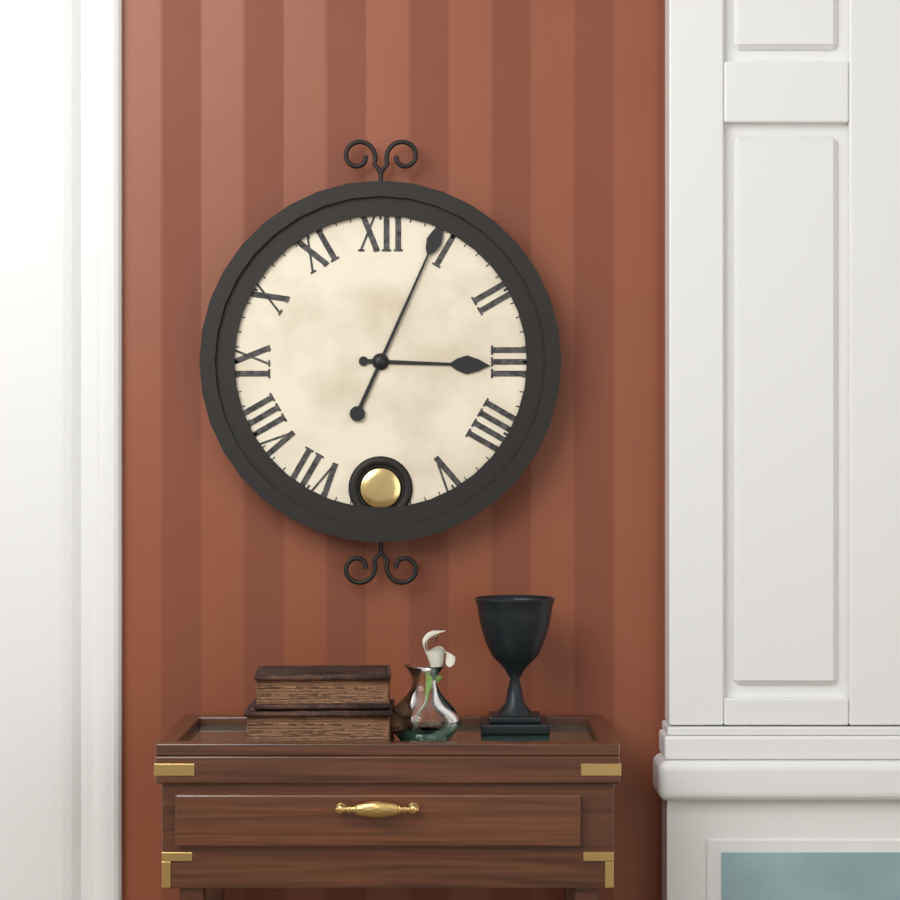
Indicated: **3:04**
